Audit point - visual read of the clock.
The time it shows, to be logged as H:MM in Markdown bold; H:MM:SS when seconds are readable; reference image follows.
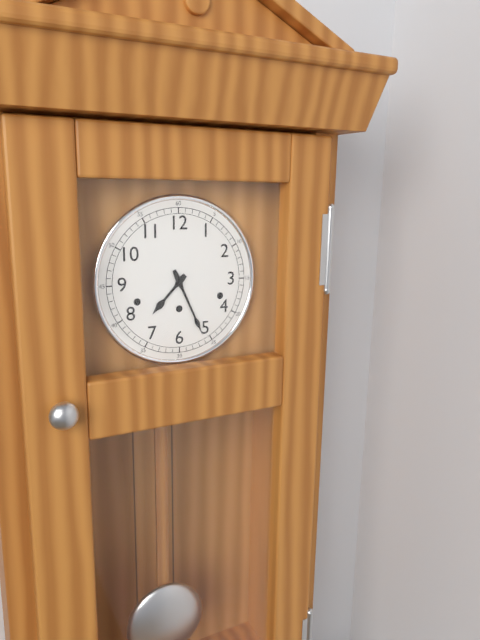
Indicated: **7:26**
